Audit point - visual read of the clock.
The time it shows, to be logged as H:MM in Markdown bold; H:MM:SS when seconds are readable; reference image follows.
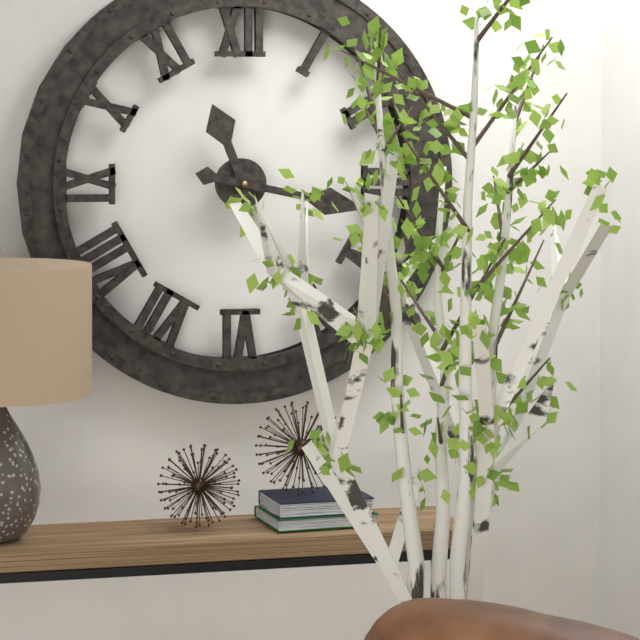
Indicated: **11:17**
